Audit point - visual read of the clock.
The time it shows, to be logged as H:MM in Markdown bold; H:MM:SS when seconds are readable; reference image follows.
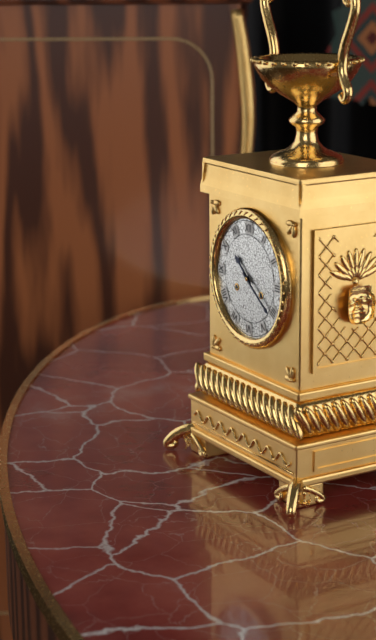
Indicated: **10:21**
